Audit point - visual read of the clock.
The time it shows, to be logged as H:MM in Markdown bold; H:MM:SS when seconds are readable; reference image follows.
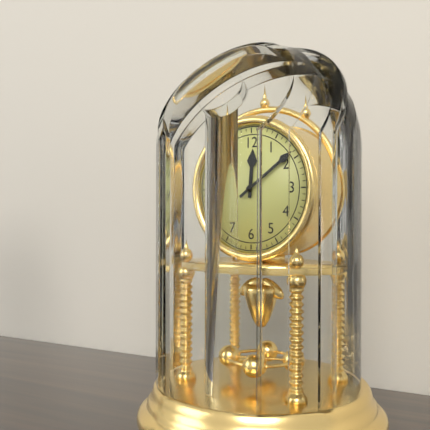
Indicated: **12:09**
